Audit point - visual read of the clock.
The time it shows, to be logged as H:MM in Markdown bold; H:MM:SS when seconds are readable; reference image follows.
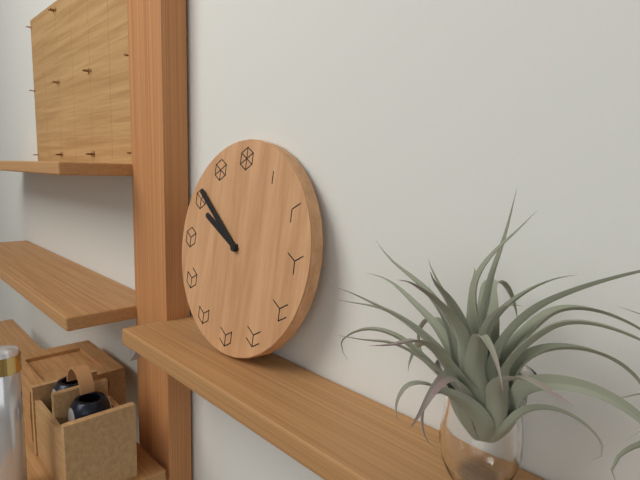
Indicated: **9:51**
